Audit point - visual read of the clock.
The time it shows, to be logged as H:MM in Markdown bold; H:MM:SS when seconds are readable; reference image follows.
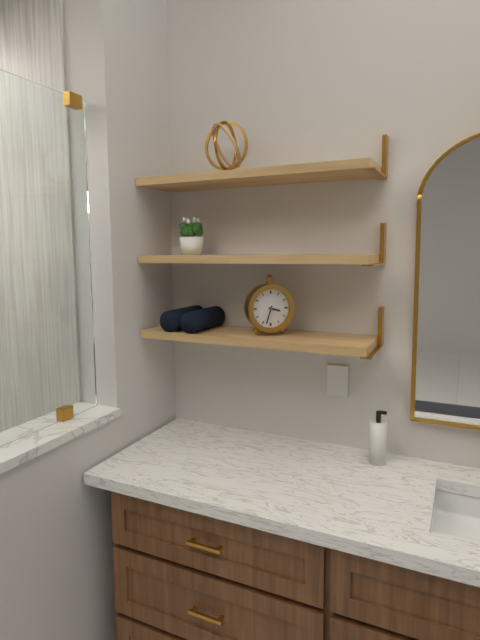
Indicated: **3:33**
